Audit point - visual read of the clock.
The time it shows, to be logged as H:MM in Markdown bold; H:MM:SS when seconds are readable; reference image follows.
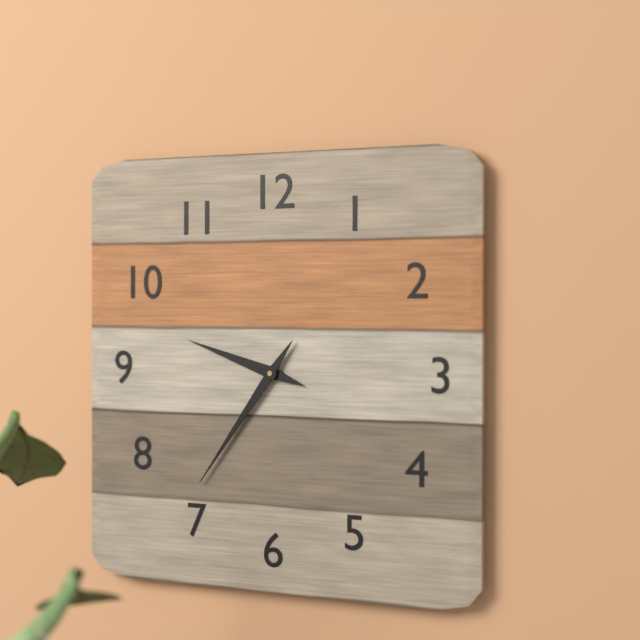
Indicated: **9:36**
